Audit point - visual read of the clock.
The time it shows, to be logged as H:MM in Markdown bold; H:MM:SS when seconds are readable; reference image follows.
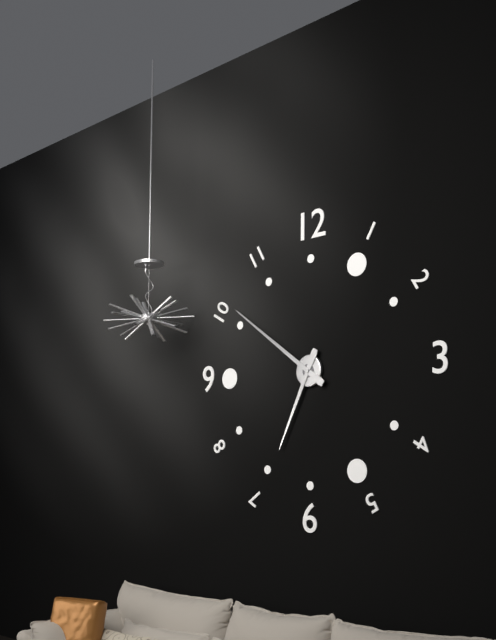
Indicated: **6:51**
